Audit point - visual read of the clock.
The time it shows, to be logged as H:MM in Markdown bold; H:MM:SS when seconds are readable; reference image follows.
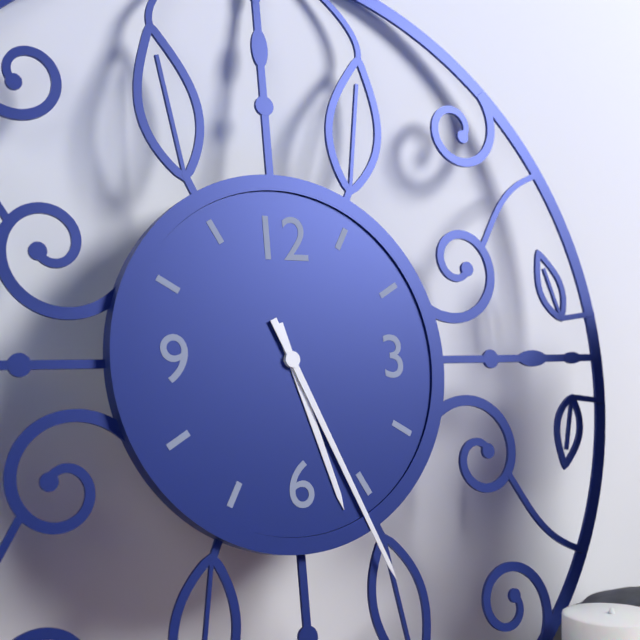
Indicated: **5:26**
